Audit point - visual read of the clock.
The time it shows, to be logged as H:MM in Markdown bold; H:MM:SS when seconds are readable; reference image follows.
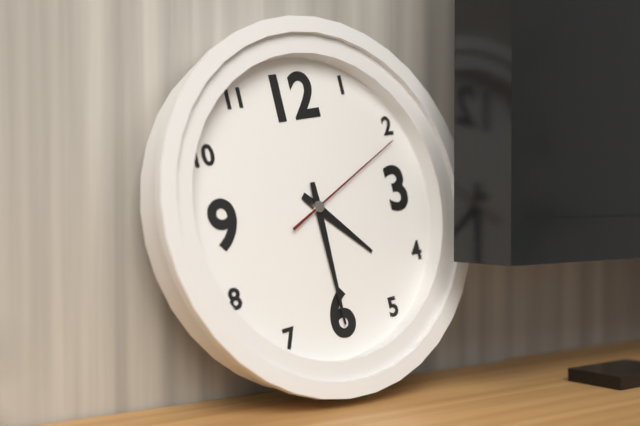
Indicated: **4:30:11**
